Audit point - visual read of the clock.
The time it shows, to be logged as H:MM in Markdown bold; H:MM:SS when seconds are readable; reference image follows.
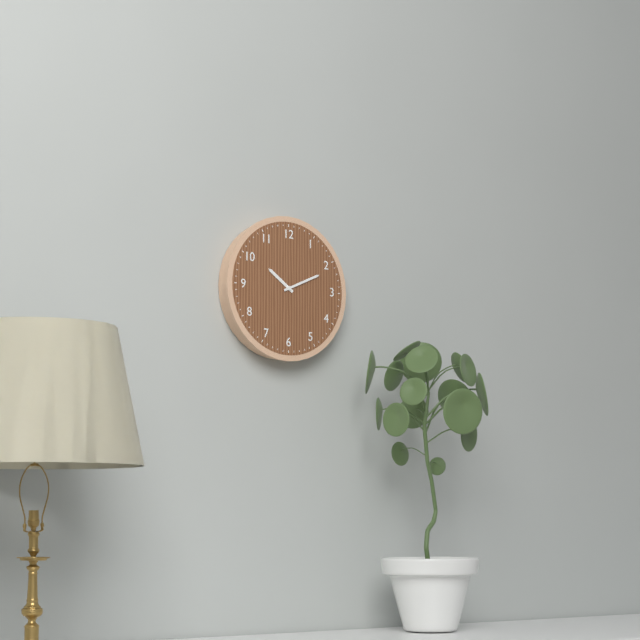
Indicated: **10:11**
